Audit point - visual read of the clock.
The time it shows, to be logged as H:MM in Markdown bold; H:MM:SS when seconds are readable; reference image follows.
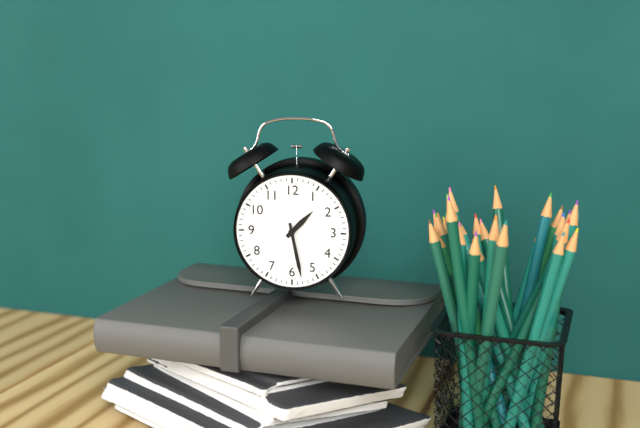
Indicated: **1:28**
